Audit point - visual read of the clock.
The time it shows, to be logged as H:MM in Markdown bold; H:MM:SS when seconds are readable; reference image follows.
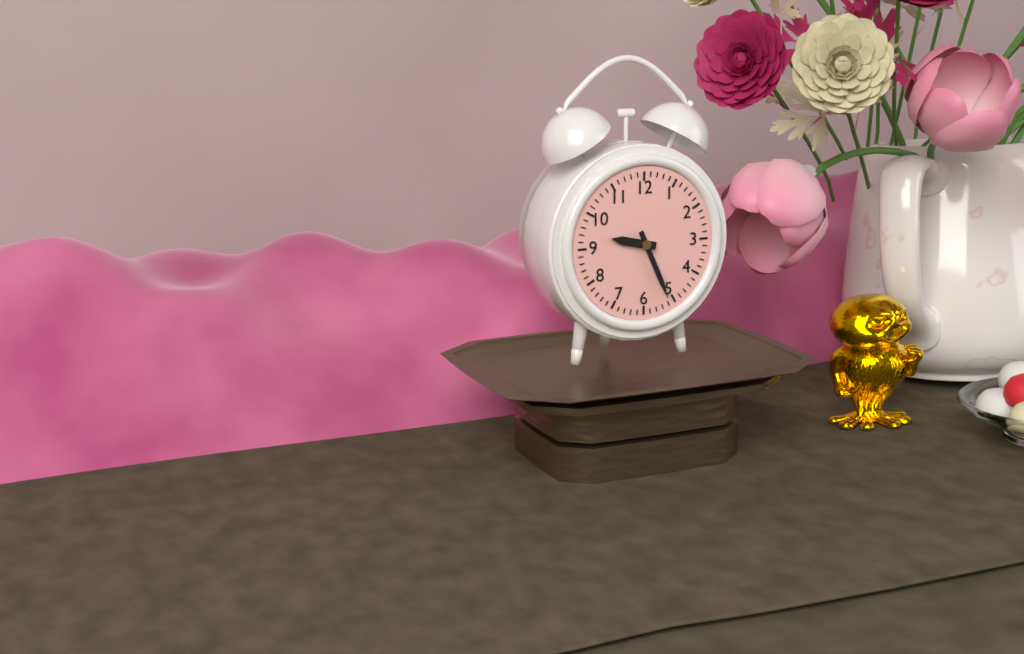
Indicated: **9:26**
